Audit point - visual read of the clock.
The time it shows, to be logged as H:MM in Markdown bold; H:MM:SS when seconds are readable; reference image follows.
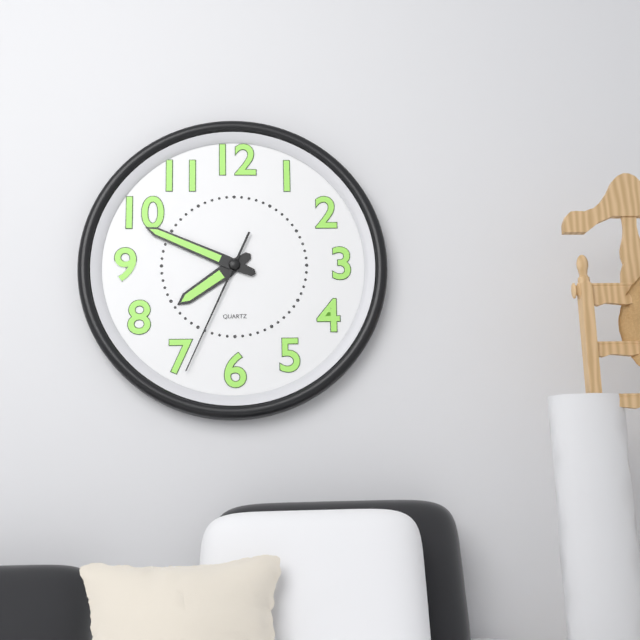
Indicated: **7:49:34**
